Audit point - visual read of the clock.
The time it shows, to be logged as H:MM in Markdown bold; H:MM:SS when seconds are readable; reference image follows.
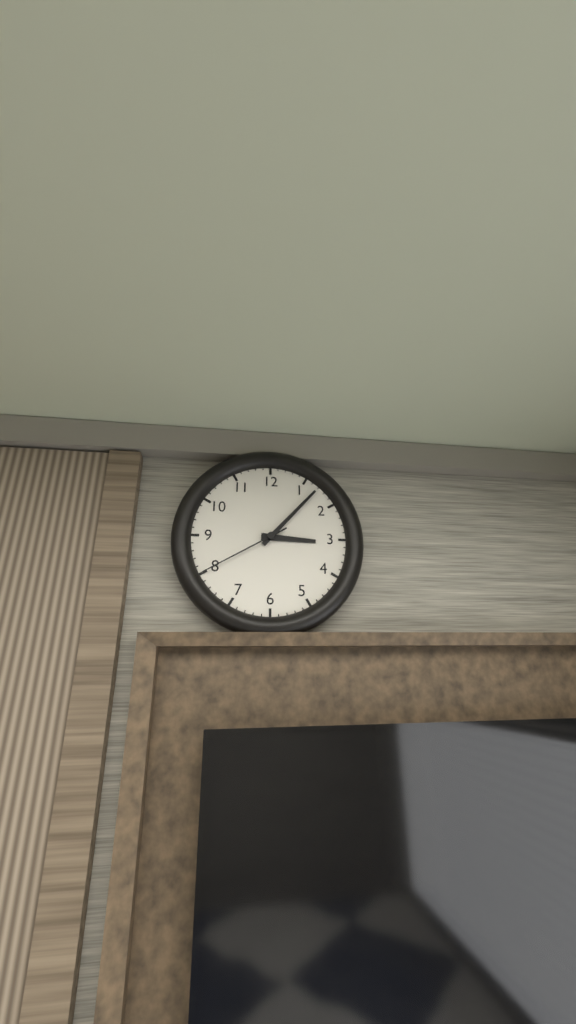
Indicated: **3:07:40**
